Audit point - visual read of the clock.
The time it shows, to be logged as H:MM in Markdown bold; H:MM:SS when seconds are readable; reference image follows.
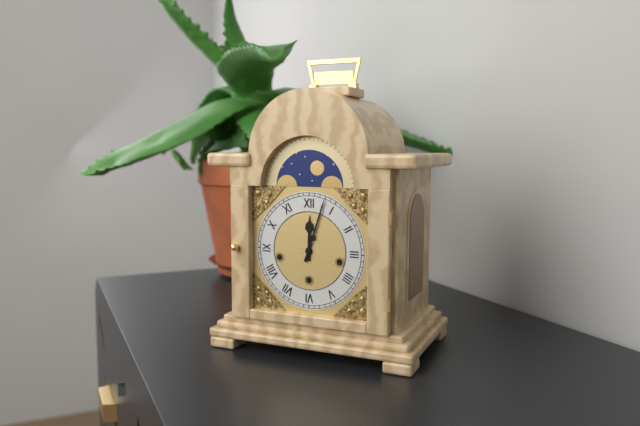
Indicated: **12:03**
